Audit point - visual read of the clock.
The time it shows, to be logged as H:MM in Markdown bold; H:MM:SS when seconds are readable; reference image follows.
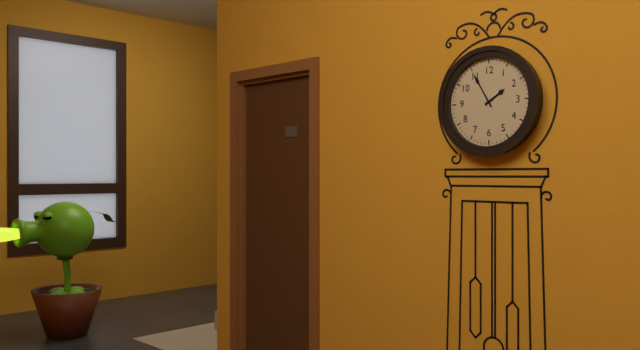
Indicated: **1:55**
